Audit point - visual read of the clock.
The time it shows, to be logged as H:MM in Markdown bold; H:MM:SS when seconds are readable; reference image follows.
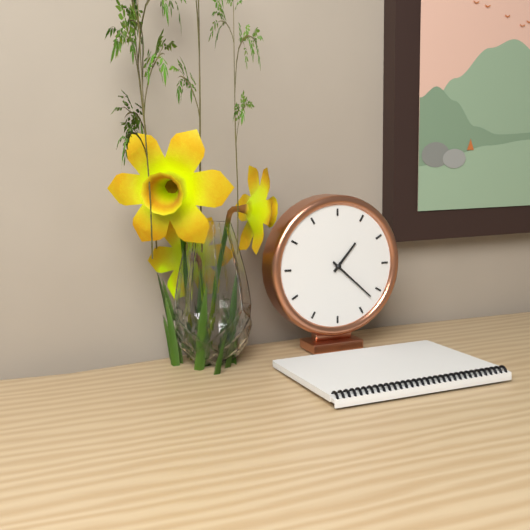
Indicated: **1:22**
